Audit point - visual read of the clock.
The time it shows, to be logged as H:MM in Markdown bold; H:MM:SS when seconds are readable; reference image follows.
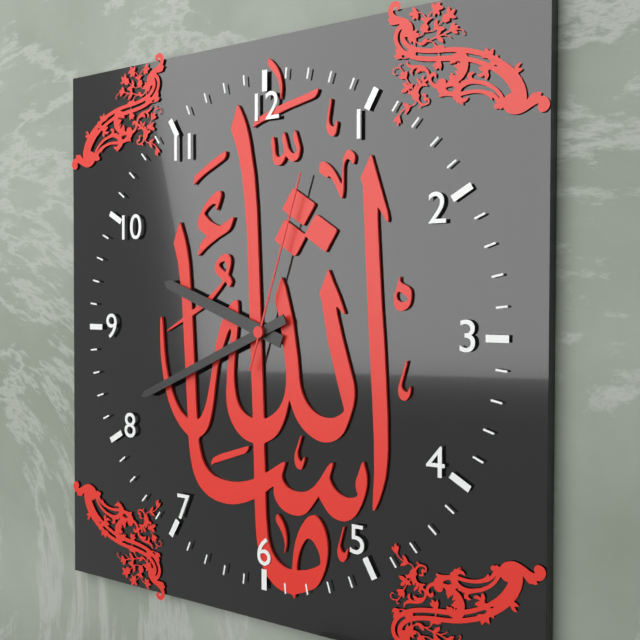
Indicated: **9:41:03**
